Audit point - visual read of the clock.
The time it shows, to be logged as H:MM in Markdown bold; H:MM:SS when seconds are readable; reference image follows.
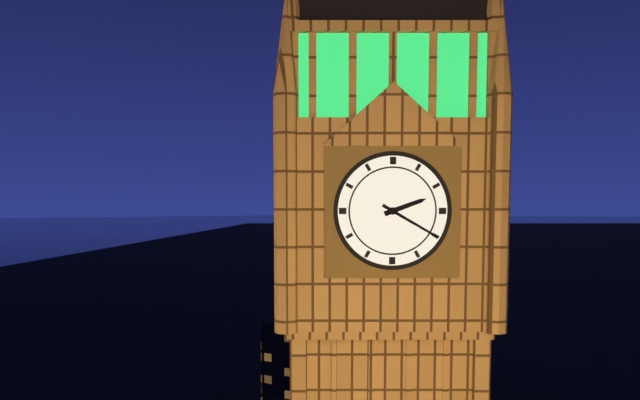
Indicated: **2:20**
